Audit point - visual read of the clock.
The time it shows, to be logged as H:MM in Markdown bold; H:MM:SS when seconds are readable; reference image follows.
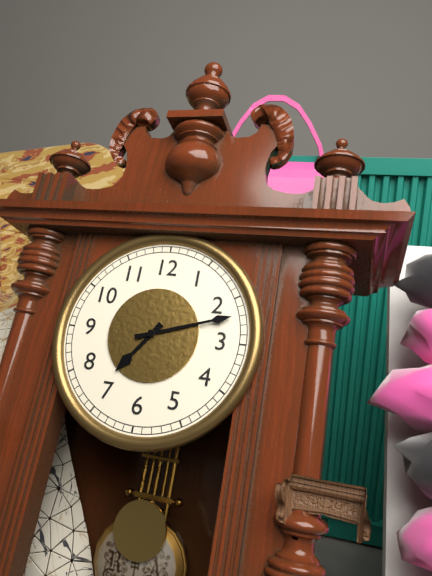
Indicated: **7:12**
